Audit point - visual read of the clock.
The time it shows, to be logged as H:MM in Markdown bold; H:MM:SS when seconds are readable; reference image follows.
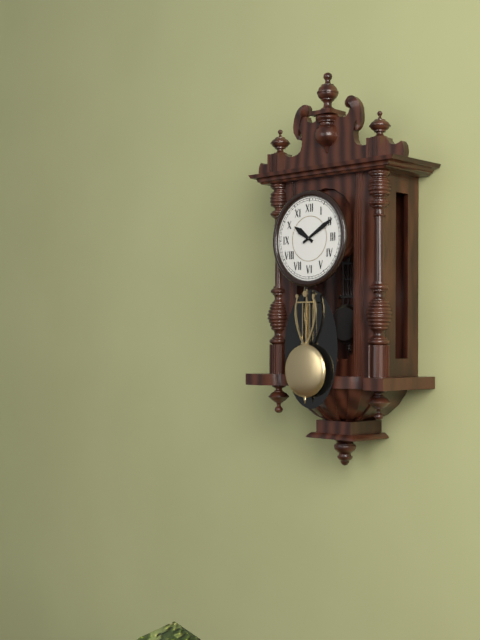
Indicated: **10:10**
